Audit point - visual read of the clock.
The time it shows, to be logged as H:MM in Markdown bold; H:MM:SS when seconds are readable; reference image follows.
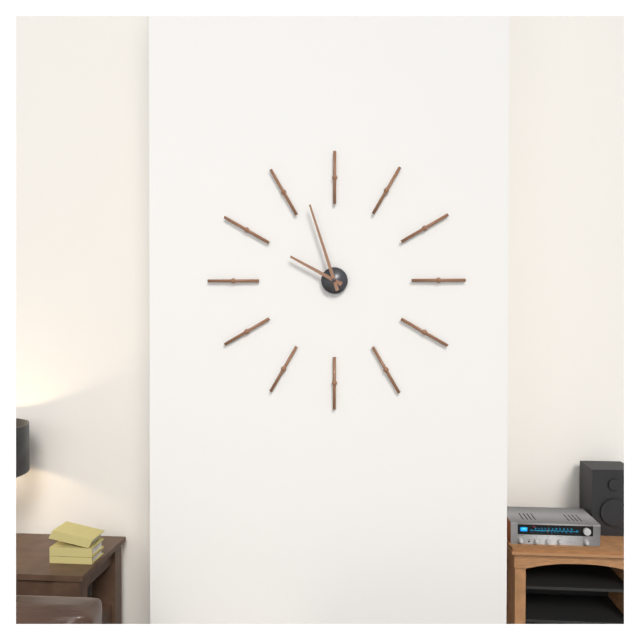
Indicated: **9:57**
